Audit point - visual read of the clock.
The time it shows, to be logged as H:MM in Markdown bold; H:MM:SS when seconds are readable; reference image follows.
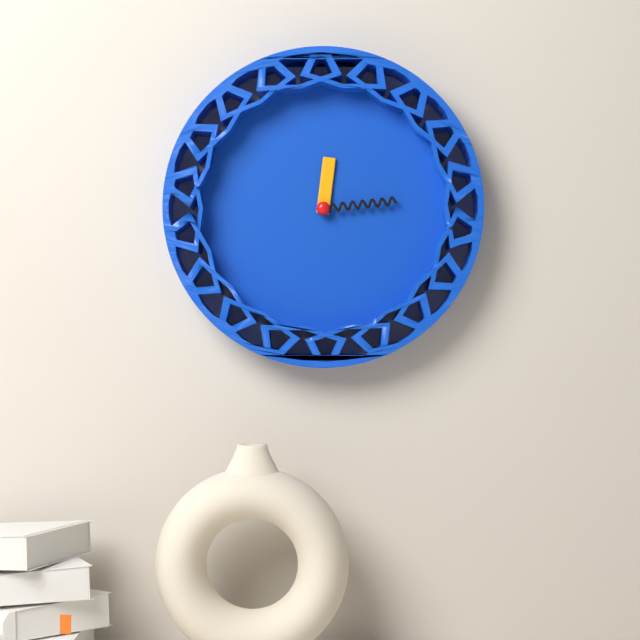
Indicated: **12:14**
